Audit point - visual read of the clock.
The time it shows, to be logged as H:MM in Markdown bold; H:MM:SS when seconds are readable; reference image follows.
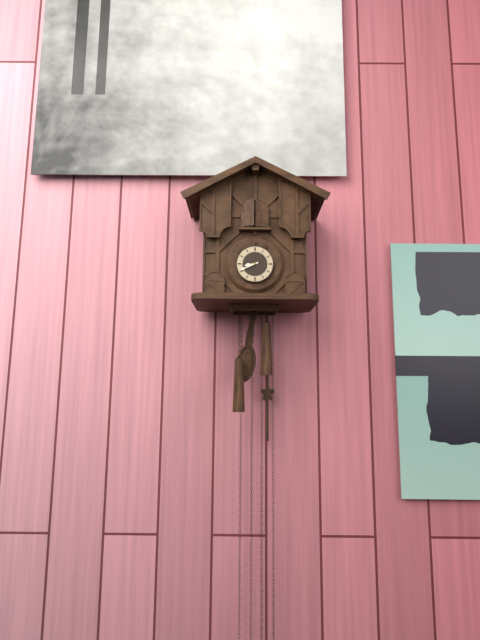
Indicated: **8:41**
